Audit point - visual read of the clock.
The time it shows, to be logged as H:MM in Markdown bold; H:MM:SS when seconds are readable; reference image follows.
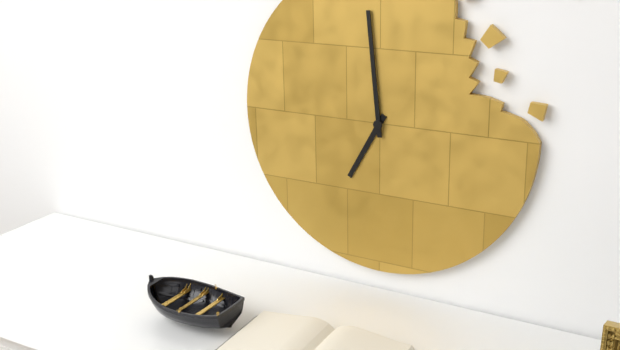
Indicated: **6:59**
